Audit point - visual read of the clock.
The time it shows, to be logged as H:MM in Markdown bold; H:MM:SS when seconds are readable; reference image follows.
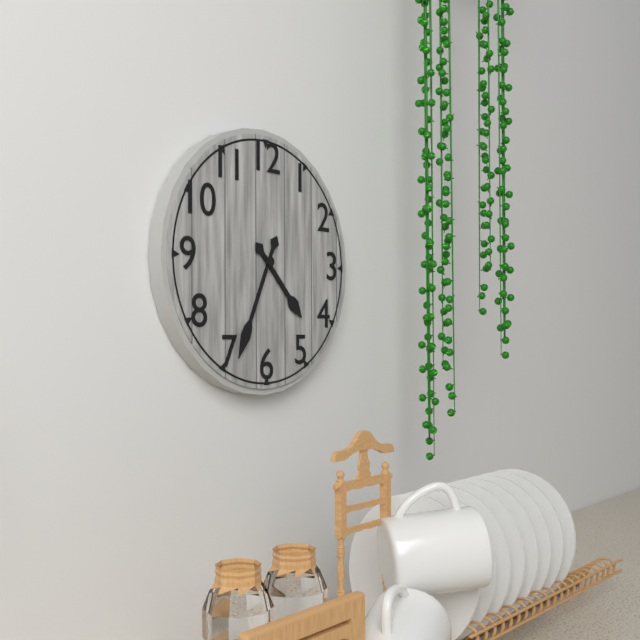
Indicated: **4:34**
